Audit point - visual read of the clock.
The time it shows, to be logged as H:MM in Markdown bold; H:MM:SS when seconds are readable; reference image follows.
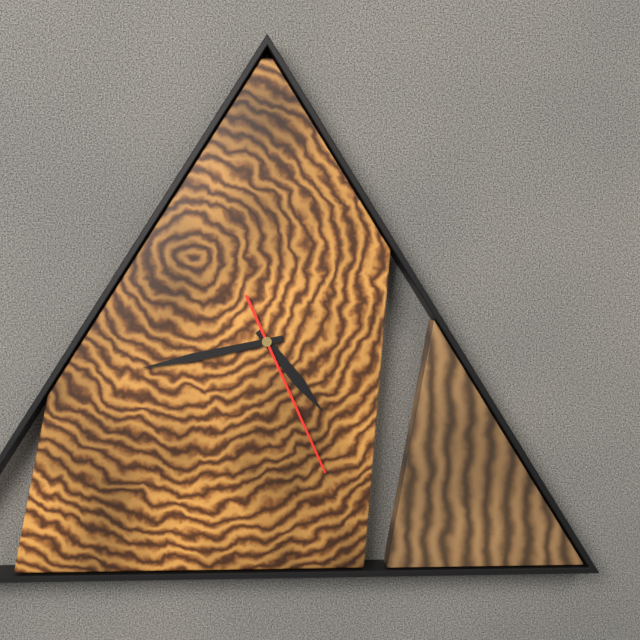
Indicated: **4:43:26**
